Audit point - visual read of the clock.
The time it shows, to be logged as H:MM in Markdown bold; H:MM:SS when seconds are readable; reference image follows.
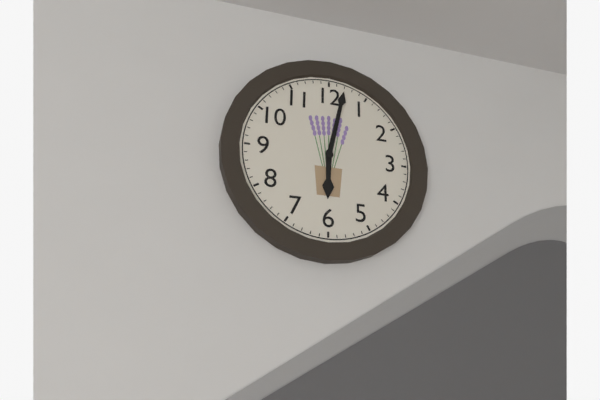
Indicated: **6:02**
